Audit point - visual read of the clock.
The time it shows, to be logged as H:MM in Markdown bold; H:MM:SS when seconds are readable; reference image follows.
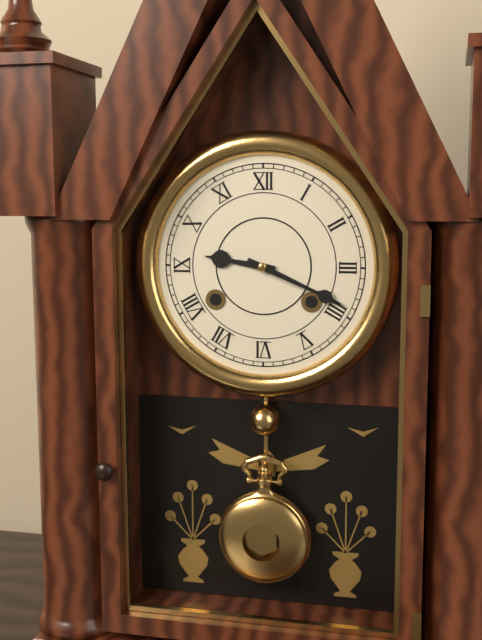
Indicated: **9:19**
